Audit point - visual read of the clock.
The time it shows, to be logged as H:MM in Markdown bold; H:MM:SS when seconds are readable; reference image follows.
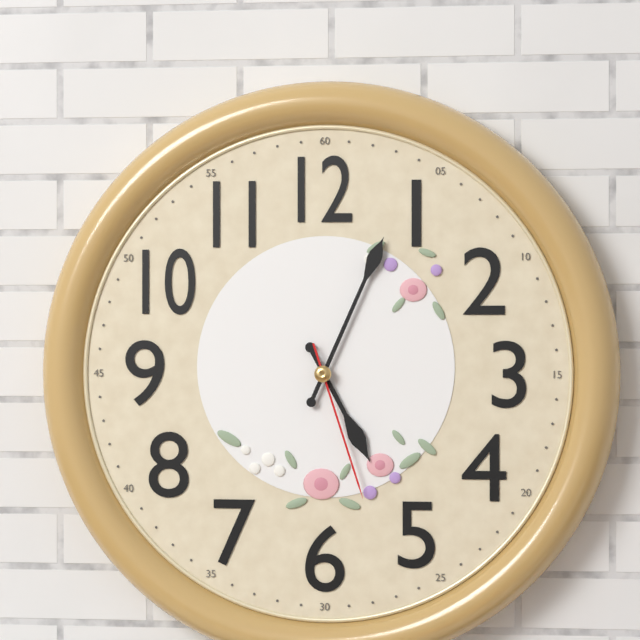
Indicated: **5:04:27**
